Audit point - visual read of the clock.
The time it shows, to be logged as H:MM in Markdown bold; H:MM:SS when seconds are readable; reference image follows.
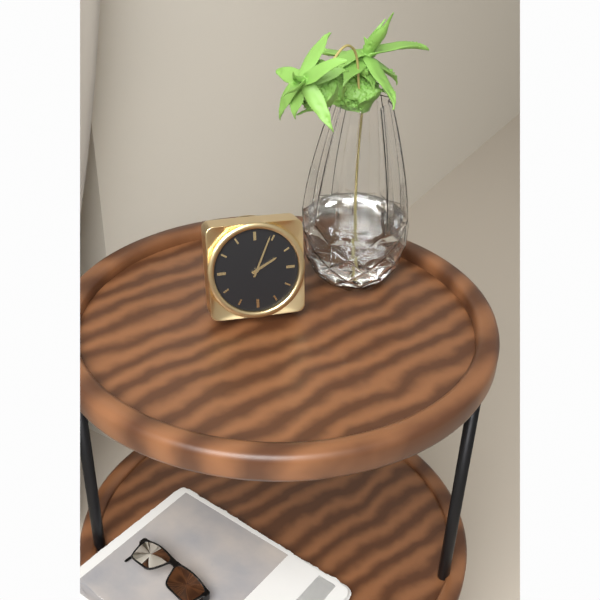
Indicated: **2:04**
